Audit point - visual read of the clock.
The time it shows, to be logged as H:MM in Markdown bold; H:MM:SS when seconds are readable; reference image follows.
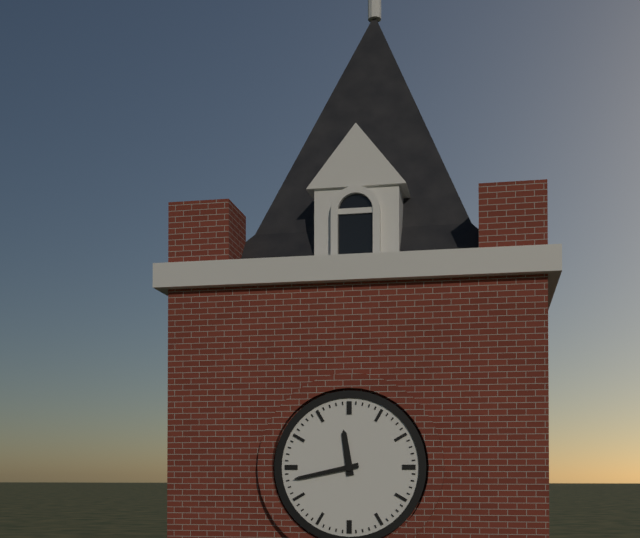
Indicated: **11:43**
